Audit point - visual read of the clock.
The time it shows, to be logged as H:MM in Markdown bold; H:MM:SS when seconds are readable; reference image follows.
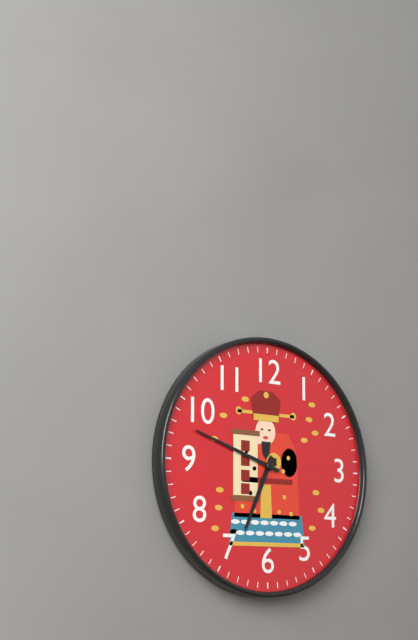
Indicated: **6:48**
